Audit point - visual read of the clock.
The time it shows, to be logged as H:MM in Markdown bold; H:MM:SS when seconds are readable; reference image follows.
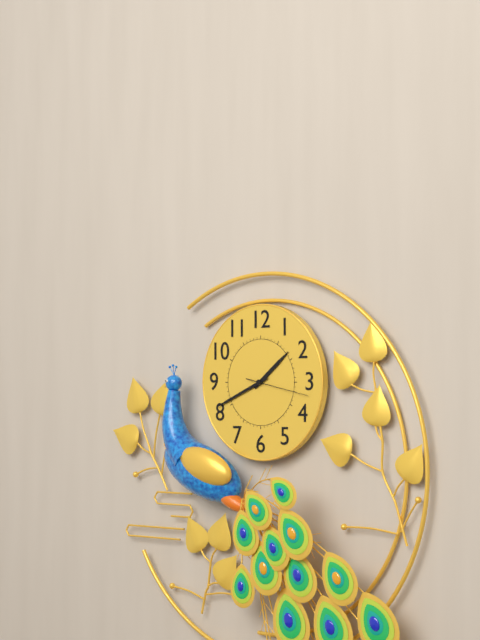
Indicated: **1:41:17**
